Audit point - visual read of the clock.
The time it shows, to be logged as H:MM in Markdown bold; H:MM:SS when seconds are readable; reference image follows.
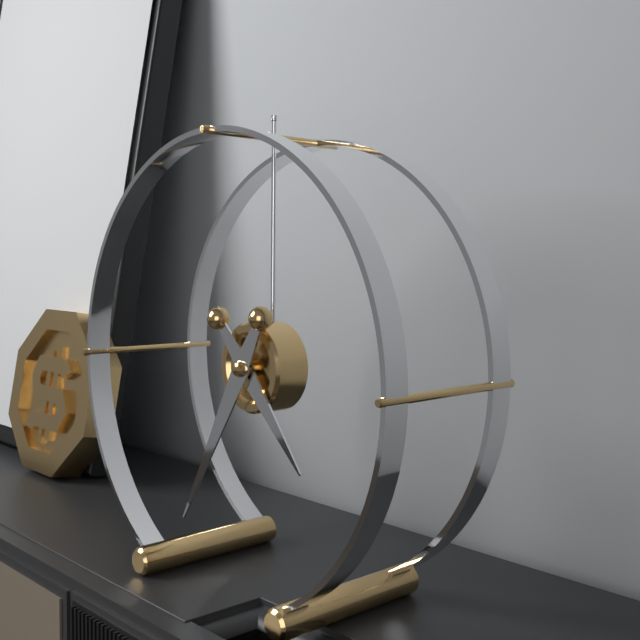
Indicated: **4:35**
